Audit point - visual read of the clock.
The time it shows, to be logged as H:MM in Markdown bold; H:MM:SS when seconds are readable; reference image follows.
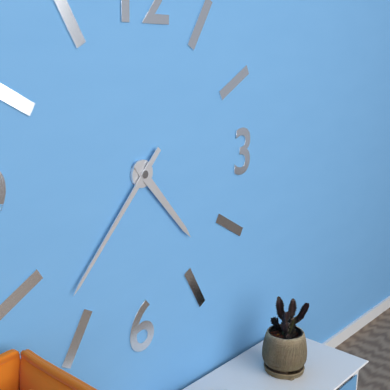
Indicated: **4:37**
